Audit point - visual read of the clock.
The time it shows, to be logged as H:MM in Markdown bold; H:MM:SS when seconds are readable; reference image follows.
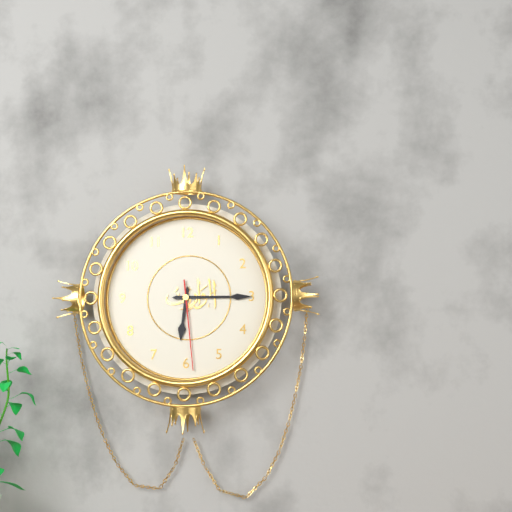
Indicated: **6:15:29**
